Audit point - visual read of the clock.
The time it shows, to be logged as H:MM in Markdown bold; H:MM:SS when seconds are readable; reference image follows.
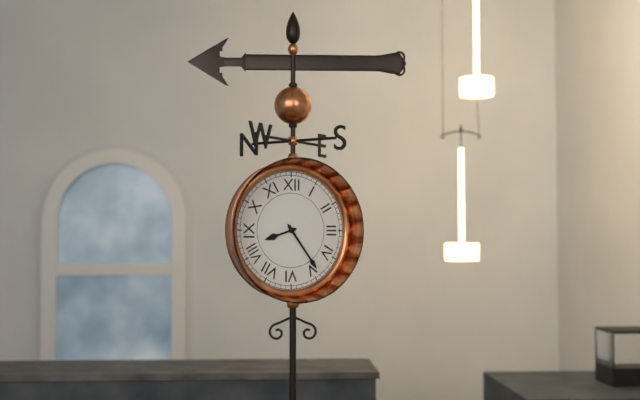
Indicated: **8:24**
